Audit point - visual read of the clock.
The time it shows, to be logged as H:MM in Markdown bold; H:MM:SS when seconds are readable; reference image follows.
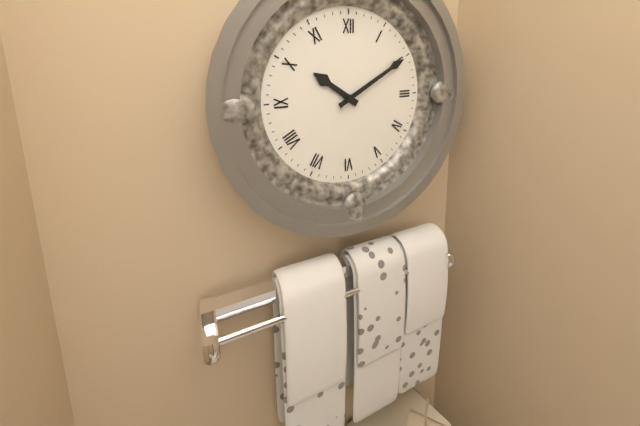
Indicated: **10:10**
